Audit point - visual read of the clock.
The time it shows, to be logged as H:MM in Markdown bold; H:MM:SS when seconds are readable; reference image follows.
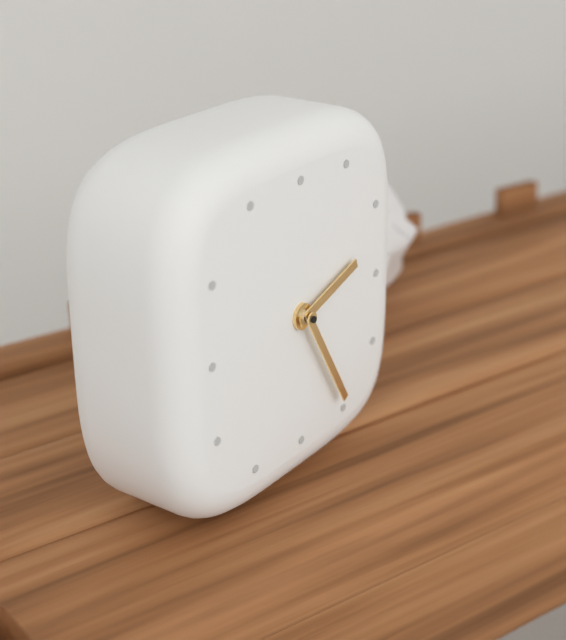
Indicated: **2:25**
